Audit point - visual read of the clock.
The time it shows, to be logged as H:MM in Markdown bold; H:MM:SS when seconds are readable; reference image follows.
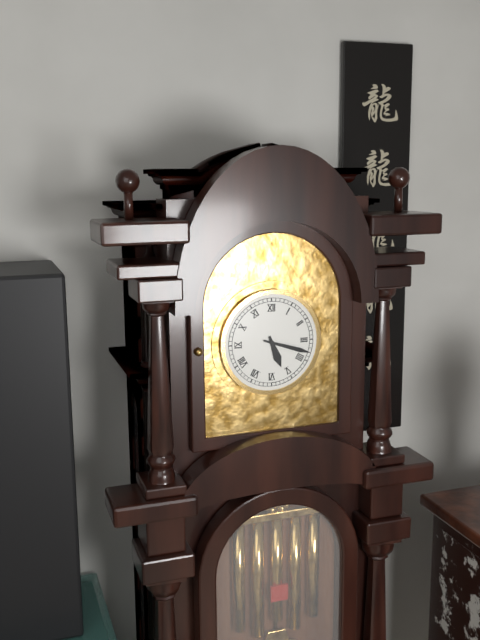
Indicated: **5:18**
